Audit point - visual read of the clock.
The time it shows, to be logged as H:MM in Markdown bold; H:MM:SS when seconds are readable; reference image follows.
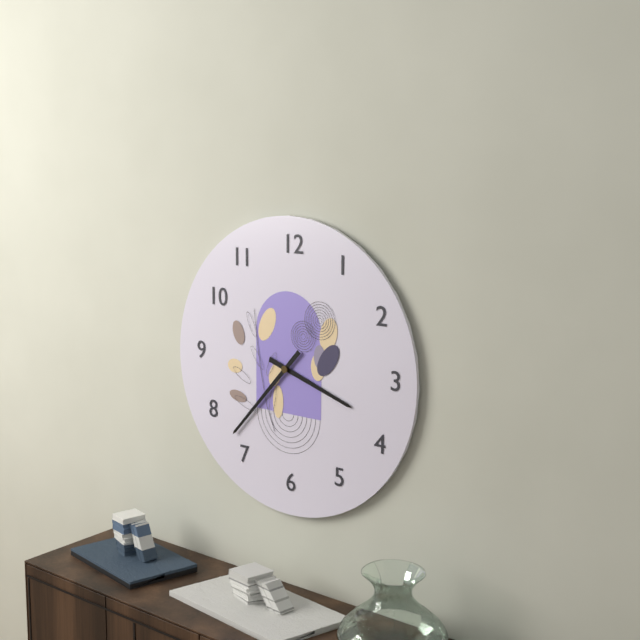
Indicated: **3:37**
